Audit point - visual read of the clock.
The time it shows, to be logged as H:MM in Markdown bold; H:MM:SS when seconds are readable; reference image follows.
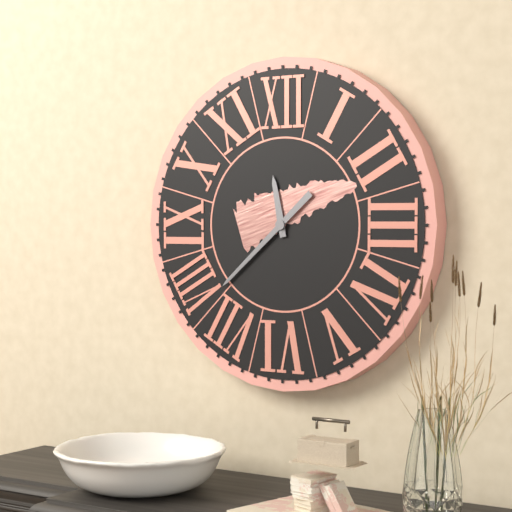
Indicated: **11:38**
